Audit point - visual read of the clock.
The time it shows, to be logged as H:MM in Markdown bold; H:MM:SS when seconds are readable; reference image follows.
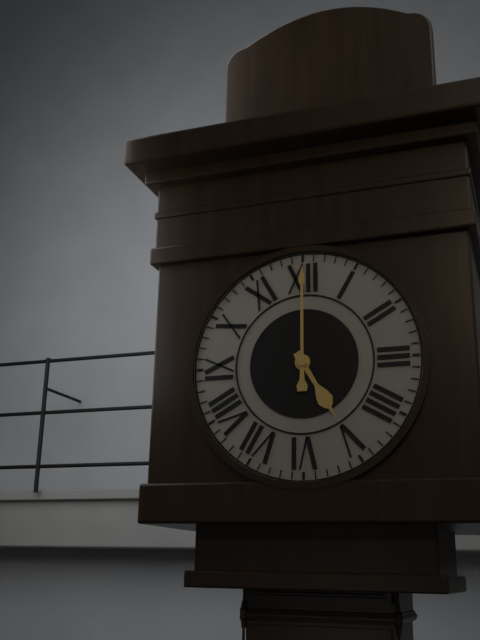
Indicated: **5:00**
